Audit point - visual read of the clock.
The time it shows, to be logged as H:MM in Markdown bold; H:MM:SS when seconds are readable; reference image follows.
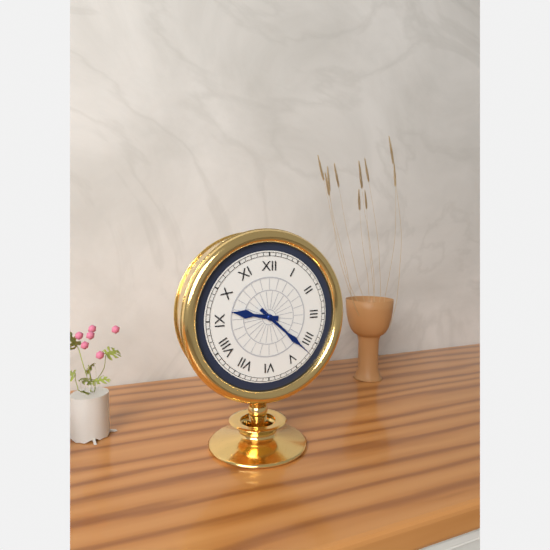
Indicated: **9:22**
